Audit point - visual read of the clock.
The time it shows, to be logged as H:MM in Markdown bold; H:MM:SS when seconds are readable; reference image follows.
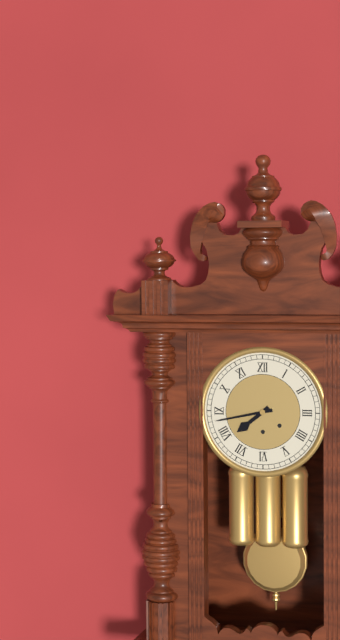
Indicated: **7:43**
